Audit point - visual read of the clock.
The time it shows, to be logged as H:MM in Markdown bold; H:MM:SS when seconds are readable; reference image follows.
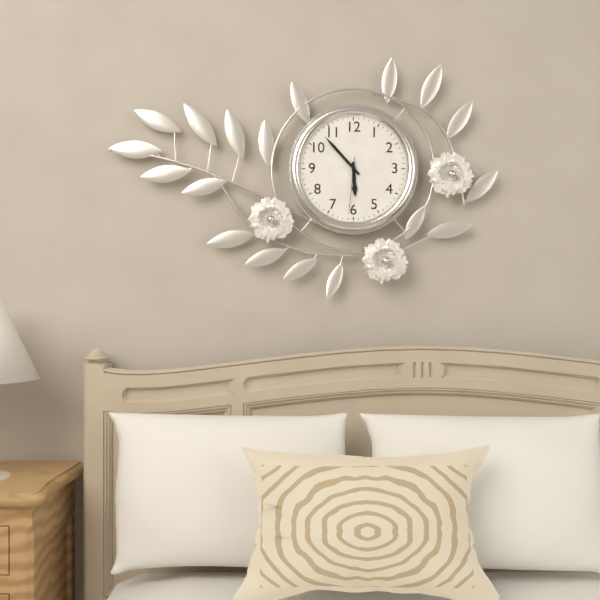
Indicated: **5:53:31**
